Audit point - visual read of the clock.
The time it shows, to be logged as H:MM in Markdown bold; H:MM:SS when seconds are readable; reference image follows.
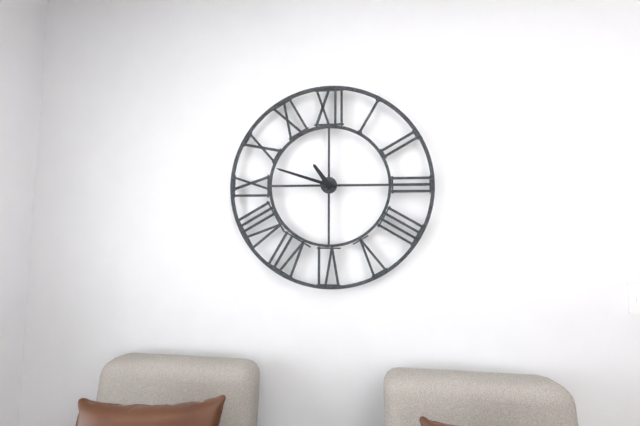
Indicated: **10:48**
